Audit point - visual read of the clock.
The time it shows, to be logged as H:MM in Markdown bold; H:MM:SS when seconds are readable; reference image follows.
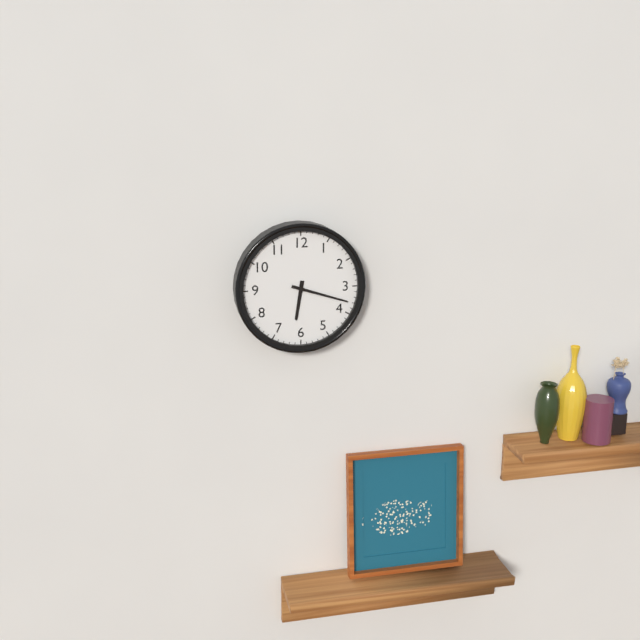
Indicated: **6:18**
